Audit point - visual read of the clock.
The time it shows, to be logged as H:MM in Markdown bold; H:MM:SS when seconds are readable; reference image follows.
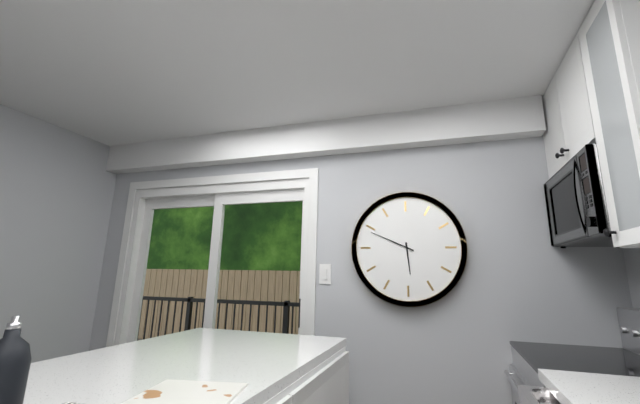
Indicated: **5:49**
